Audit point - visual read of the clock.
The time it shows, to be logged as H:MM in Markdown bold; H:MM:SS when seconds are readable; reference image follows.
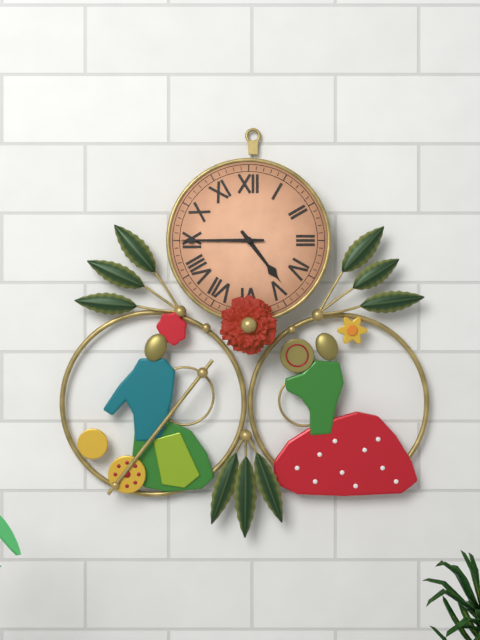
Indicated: **4:45**
